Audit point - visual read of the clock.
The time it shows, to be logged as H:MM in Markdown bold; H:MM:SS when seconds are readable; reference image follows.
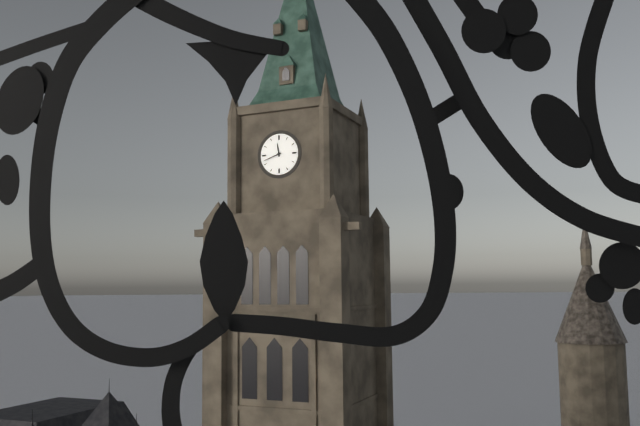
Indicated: **11:42**
